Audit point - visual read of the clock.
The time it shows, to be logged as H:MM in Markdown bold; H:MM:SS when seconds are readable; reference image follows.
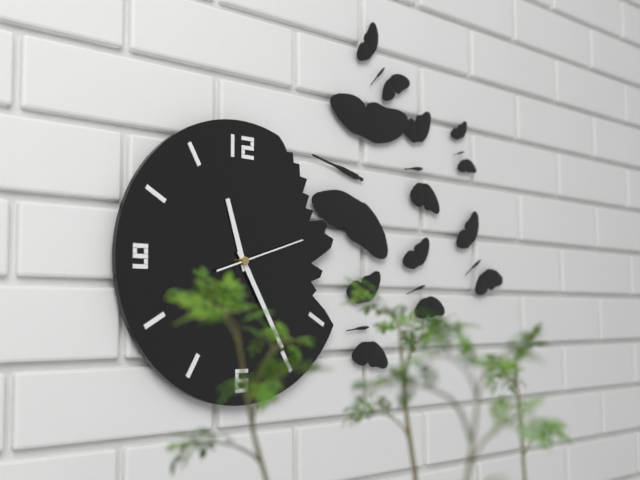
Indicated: **11:25:12**
